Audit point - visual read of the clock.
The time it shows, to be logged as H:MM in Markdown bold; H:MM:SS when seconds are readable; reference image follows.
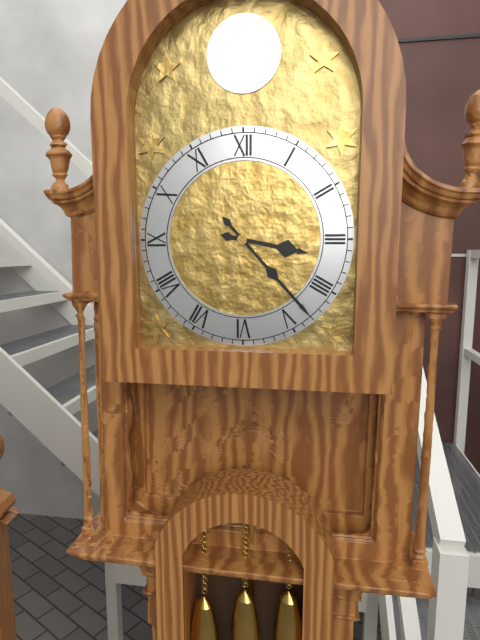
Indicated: **3:23**
